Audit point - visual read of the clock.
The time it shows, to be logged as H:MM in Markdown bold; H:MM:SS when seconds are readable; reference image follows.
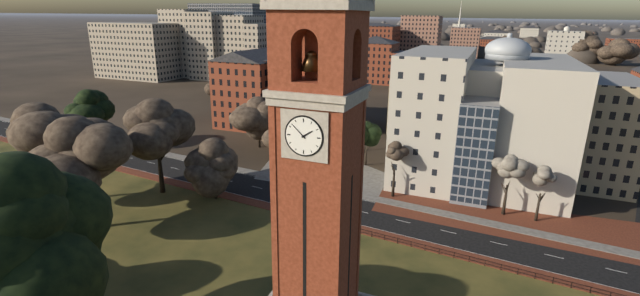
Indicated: **1:52**
